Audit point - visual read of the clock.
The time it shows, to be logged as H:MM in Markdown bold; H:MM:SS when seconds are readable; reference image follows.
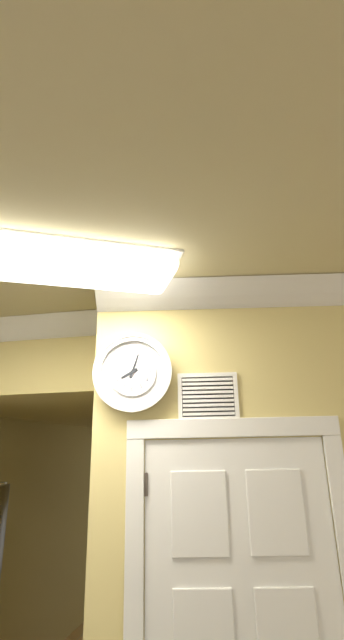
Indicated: **8:03**
